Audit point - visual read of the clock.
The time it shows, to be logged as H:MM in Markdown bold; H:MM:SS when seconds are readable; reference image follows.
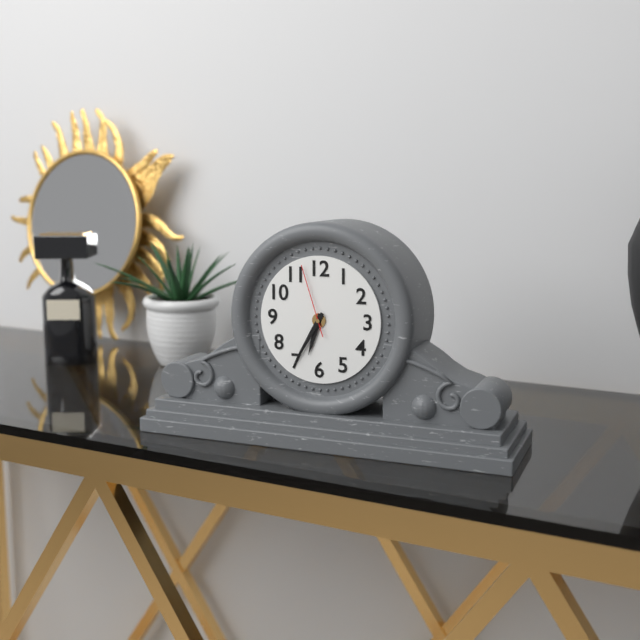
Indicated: **6:35:57**
